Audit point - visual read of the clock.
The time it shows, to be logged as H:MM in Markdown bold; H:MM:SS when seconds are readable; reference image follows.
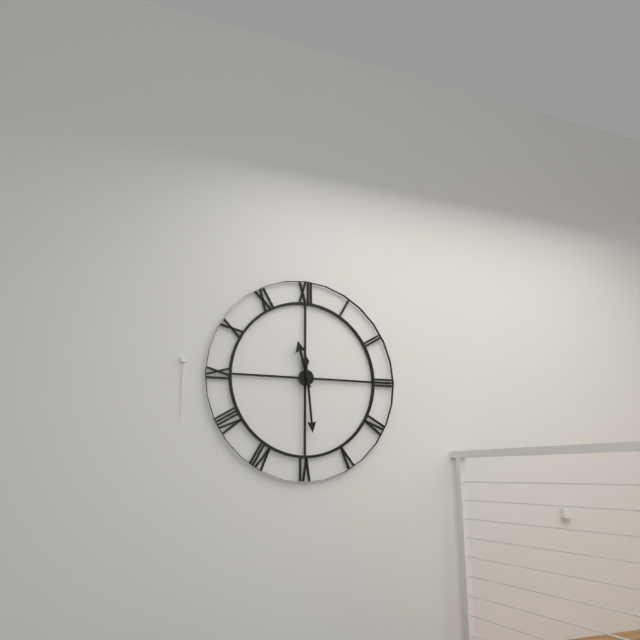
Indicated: **11:29**
